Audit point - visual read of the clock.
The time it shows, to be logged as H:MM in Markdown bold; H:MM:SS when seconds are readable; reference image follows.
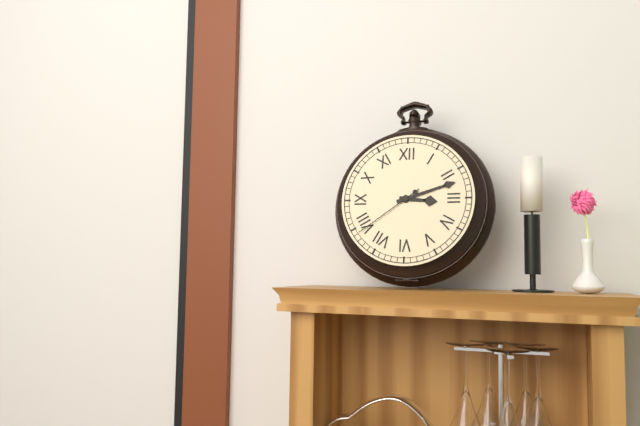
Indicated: **3:12:39**
